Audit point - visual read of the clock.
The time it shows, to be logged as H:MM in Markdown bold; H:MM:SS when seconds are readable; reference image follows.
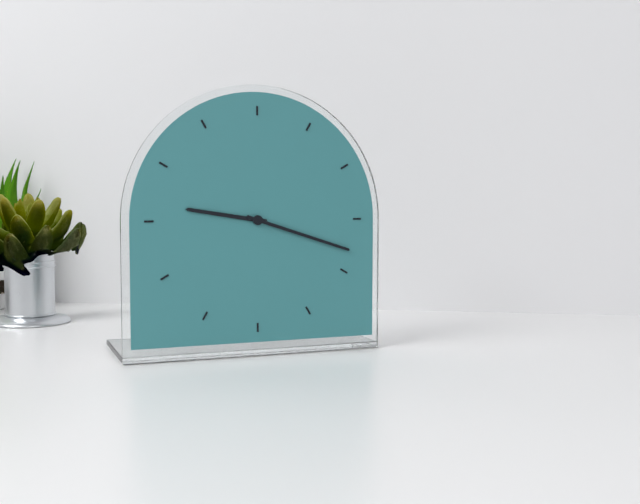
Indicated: **9:18**
